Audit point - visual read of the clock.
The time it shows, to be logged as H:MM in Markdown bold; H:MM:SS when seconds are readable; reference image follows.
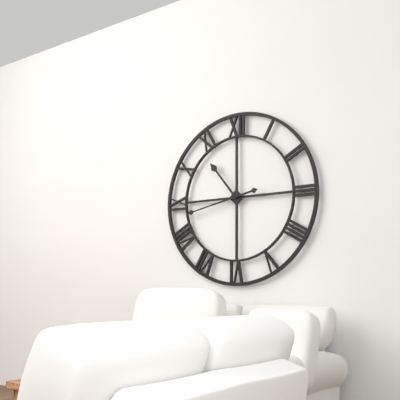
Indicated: **10:43**
